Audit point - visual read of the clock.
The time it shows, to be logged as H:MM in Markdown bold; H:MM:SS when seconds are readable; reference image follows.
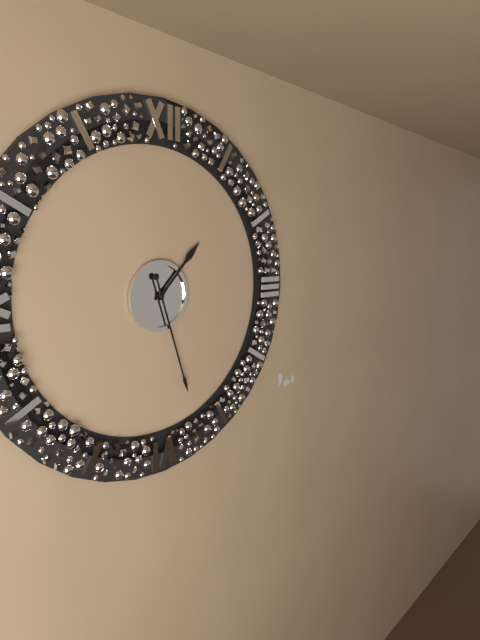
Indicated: **1:27**
